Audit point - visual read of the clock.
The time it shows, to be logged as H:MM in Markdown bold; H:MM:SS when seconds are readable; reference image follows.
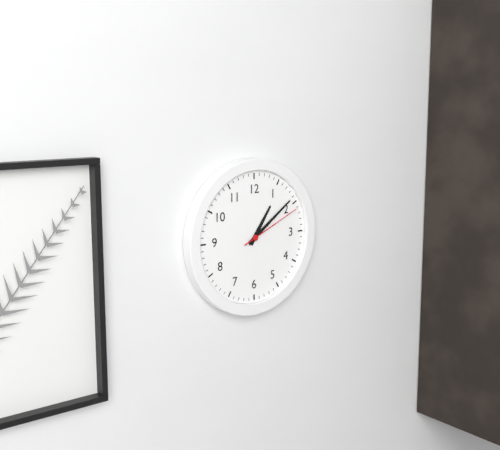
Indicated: **1:09:11**
